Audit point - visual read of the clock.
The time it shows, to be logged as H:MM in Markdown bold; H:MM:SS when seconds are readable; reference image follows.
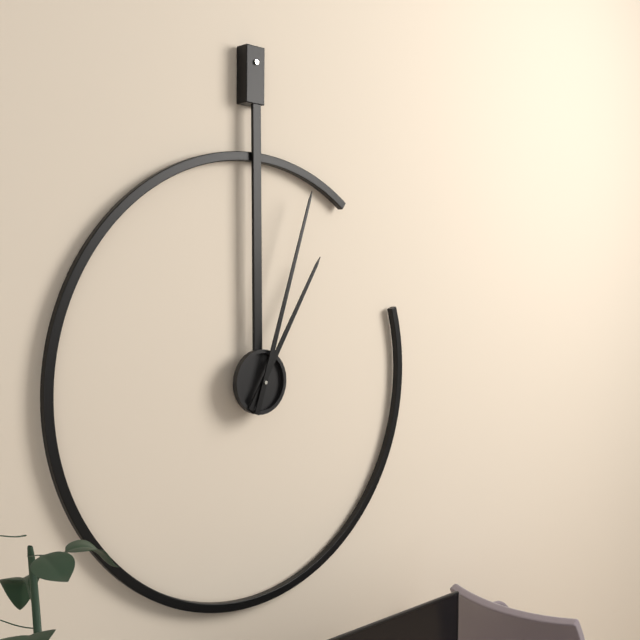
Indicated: **1:03**
